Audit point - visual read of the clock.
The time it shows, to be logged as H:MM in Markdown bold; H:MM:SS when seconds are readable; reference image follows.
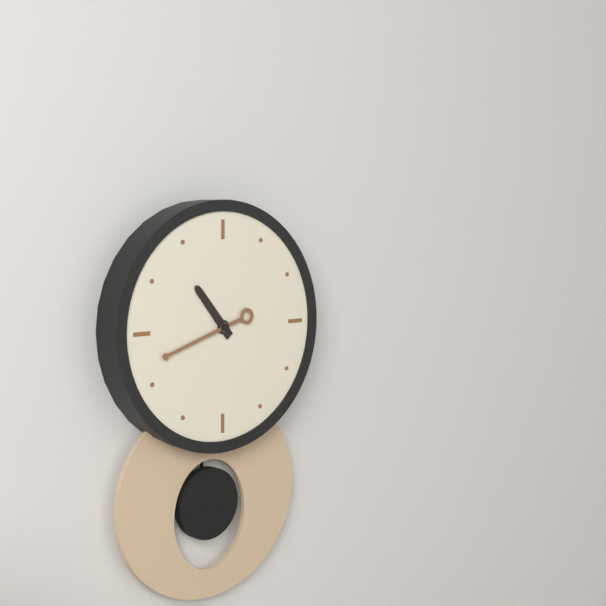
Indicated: **10:42**
